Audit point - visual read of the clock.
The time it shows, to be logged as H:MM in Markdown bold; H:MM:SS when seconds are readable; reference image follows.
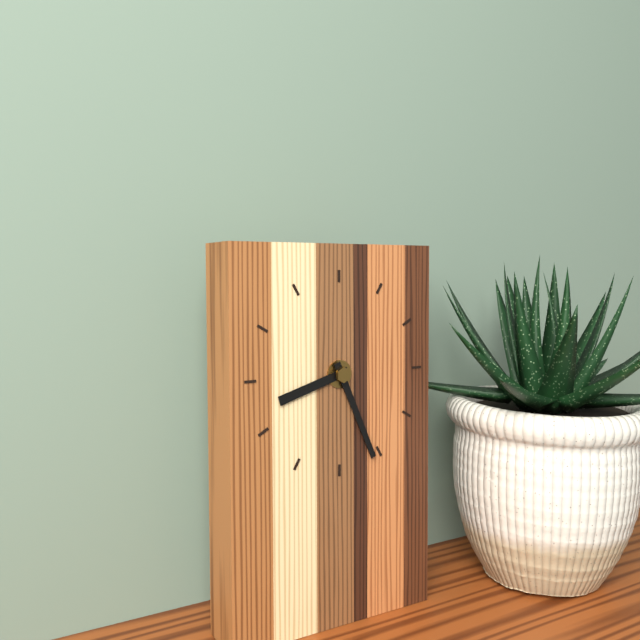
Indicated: **8:26**
